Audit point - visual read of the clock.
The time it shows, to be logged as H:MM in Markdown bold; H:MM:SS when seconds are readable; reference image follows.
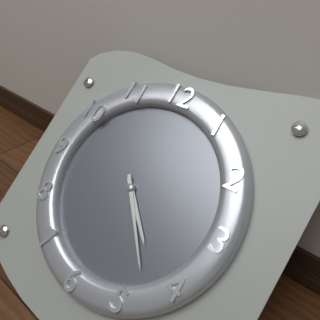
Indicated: **4:23**
